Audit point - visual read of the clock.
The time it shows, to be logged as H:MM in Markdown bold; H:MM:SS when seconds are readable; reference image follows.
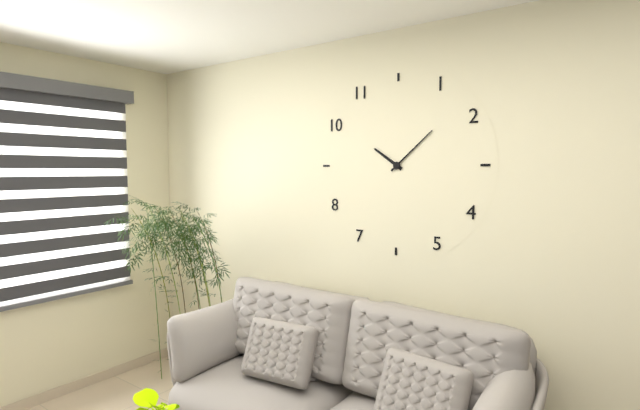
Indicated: **10:08**
